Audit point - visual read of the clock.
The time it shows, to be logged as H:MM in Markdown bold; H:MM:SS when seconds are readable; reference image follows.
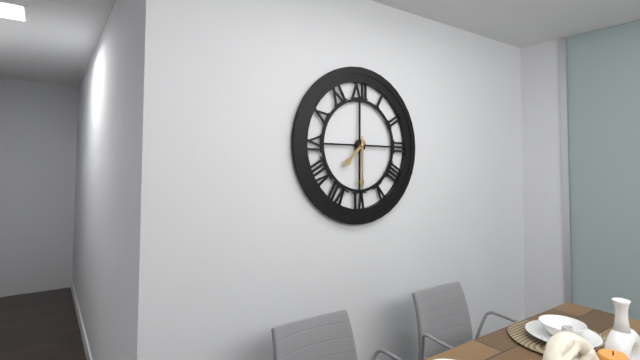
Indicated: **7:30**
